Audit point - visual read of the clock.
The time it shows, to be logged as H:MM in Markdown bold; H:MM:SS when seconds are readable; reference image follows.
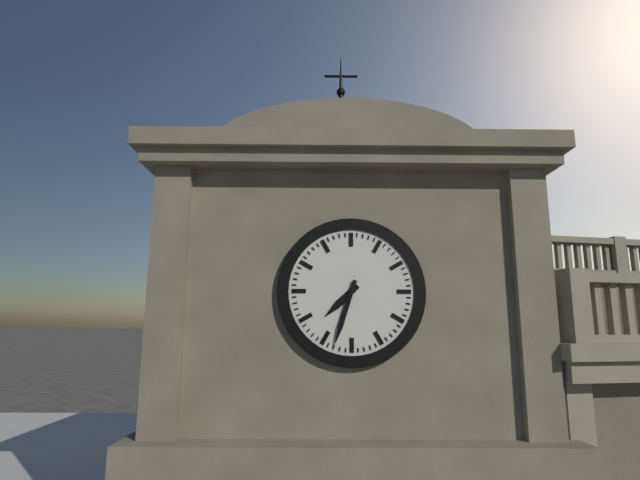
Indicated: **7:33**
